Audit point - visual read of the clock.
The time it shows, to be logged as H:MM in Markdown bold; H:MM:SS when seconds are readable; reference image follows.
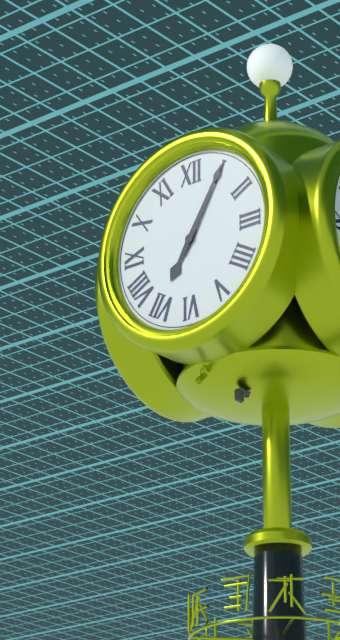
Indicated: **7:05**
